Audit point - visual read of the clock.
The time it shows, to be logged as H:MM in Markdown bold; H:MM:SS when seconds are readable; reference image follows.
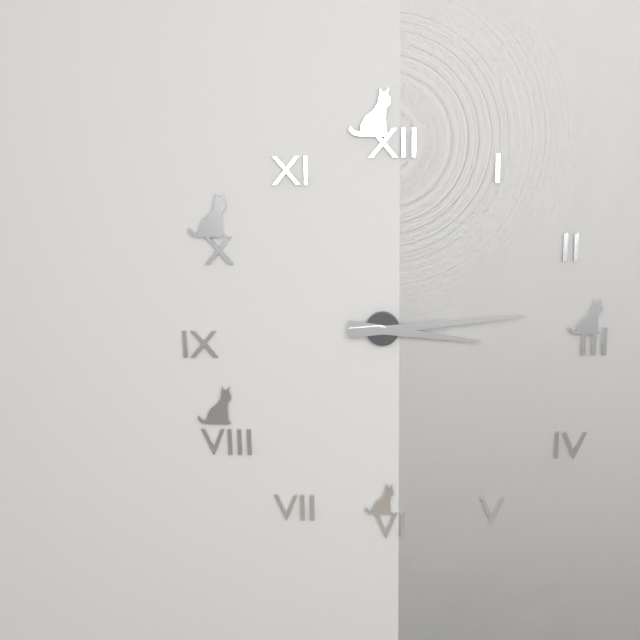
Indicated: **3:14**
